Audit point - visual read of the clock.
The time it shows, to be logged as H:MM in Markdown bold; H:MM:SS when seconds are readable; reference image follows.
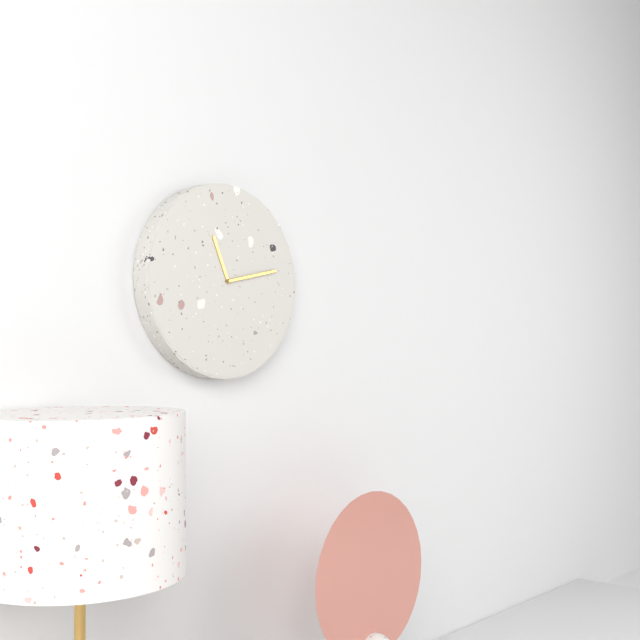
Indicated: **11:13**
